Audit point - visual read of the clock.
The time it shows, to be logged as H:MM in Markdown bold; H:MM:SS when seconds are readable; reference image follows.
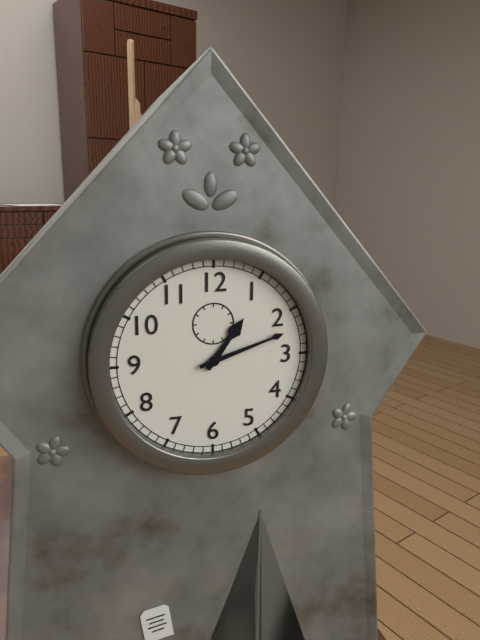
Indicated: **1:12**
